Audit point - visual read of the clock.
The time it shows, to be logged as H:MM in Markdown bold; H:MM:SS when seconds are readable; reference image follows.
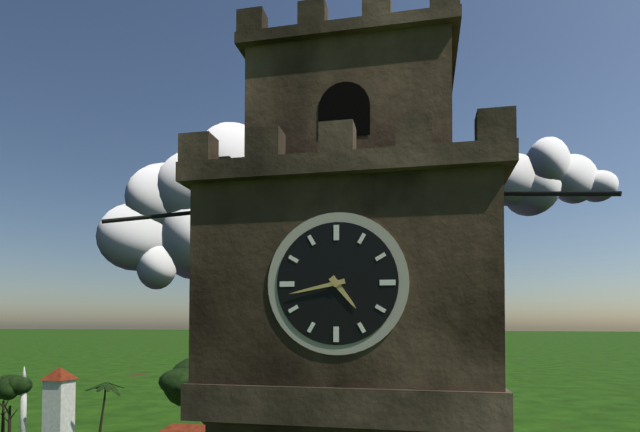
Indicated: **4:43**
